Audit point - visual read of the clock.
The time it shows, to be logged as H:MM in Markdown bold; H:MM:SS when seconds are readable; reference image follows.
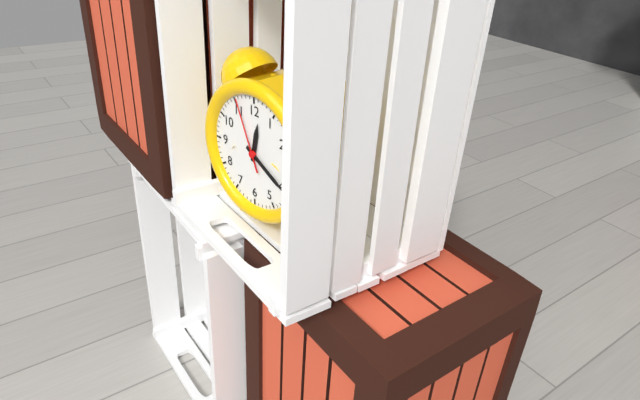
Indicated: **12:20:56**
